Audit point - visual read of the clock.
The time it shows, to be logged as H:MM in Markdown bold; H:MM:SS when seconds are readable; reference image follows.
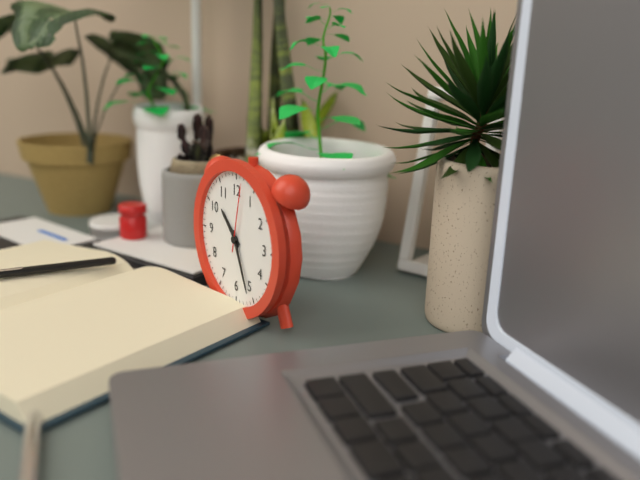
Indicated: **10:26:02**
